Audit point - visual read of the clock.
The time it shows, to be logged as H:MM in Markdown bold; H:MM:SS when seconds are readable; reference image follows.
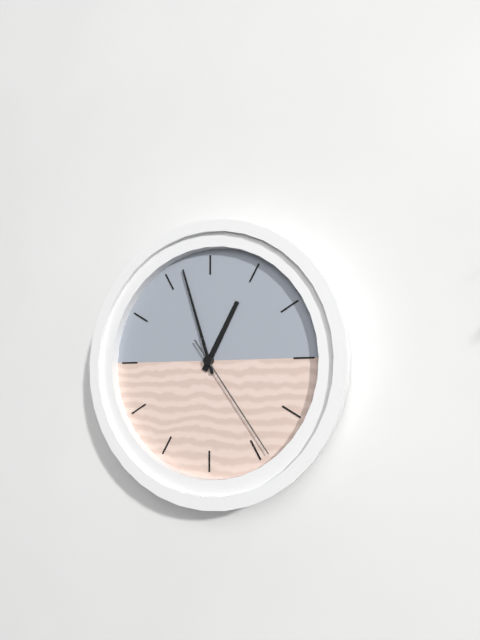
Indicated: **12:57:24**
